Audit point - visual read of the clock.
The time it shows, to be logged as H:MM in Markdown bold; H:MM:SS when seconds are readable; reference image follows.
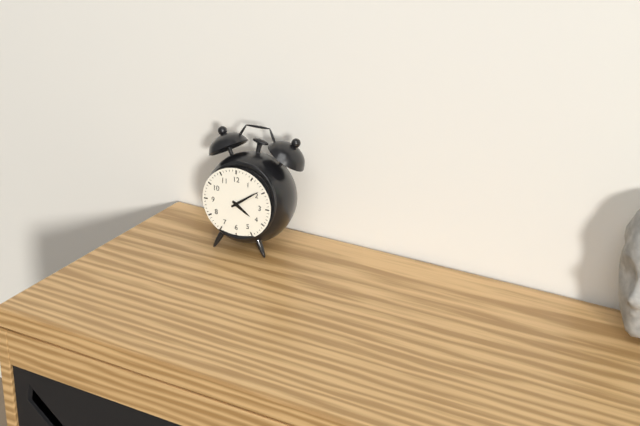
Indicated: **4:09**
